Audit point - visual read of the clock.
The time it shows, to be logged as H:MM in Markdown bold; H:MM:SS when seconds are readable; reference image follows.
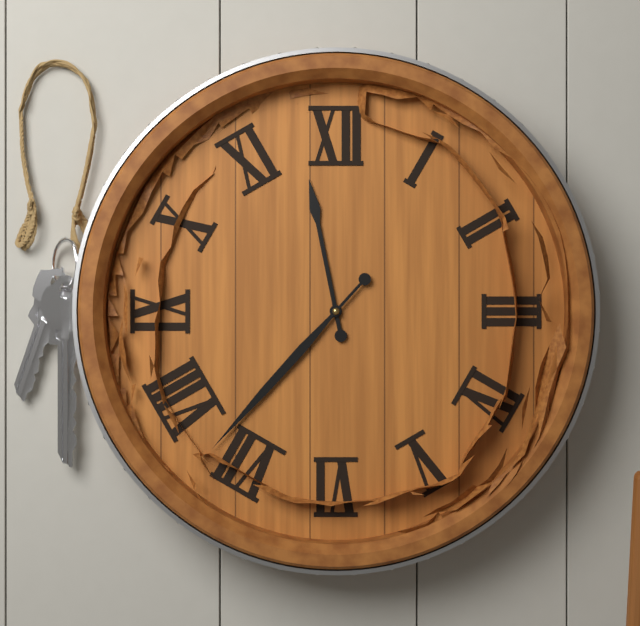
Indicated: **11:37**
